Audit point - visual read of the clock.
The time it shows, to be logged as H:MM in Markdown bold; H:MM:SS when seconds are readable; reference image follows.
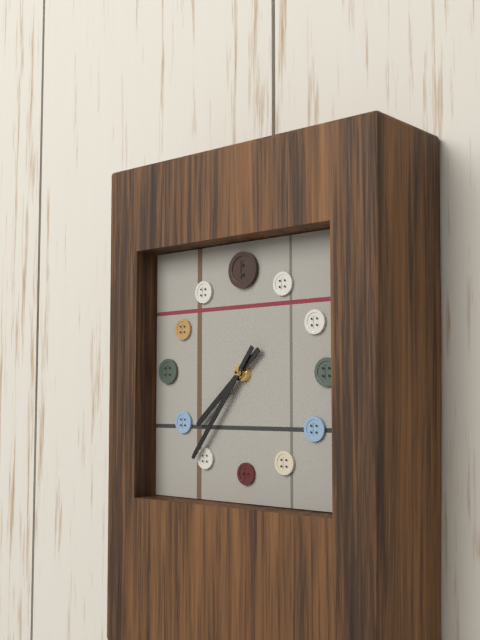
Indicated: **7:36**
